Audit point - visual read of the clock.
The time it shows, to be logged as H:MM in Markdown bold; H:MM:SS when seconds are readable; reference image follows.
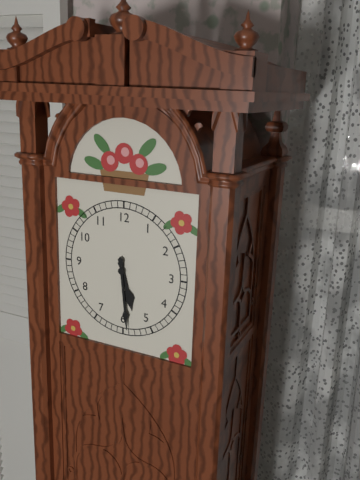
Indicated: **5:29**
